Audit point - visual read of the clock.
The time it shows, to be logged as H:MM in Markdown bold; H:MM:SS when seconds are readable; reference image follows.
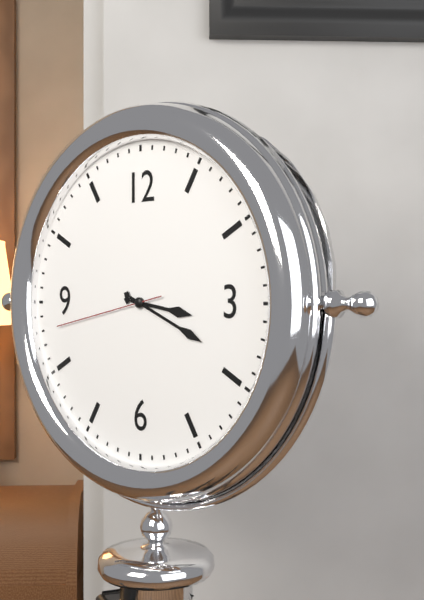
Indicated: **3:19:43**
